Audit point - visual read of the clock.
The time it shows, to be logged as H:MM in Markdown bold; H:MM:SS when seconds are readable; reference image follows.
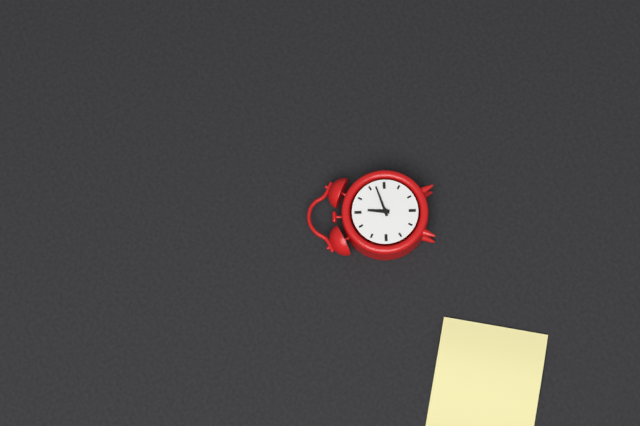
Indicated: **12:12**
